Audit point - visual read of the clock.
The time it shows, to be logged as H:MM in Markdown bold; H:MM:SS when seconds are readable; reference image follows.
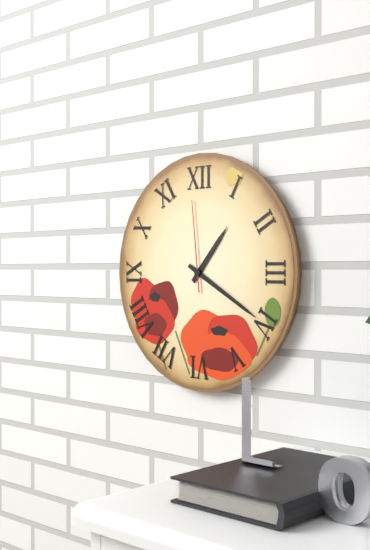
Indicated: **1:20:59**
